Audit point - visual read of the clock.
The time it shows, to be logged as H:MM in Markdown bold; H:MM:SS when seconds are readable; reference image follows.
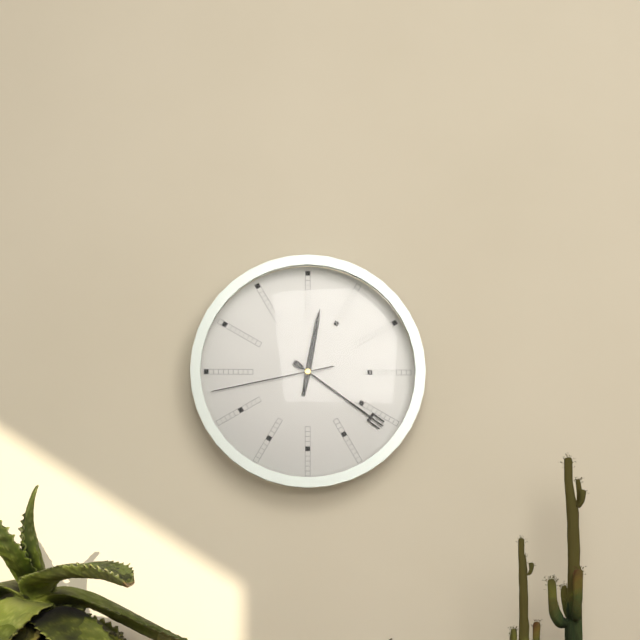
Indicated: **12:21:43**
